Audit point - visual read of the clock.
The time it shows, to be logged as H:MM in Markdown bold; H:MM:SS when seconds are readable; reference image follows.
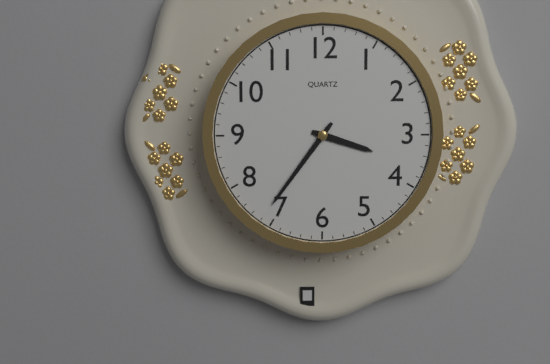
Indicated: **3:36**
